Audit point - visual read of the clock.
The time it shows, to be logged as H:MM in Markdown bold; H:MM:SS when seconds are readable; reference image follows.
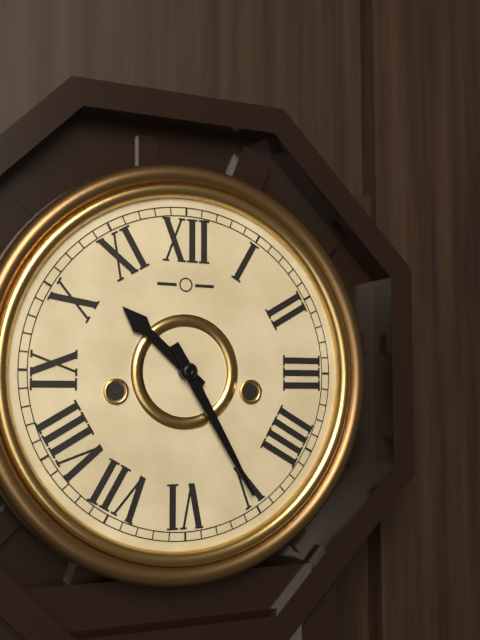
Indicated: **10:25**
